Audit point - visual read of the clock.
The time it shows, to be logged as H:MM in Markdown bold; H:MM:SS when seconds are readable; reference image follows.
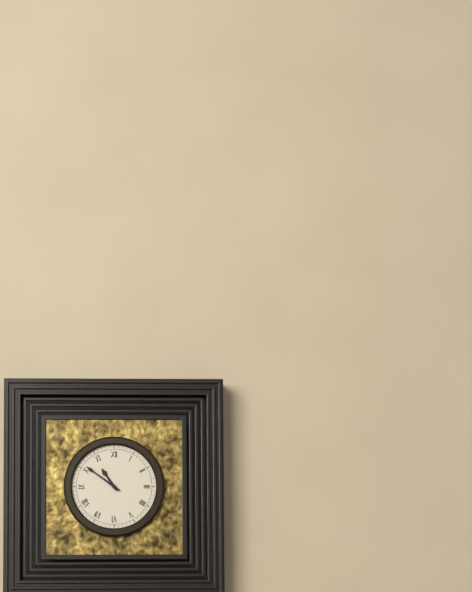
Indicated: **10:51**
